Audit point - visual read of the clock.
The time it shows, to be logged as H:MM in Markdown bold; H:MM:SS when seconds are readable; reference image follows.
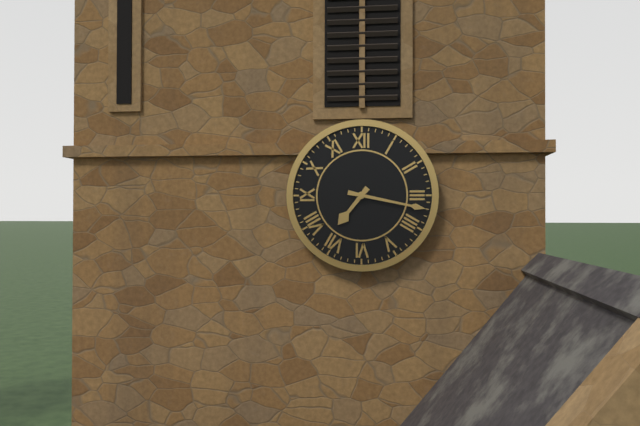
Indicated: **7:17**
